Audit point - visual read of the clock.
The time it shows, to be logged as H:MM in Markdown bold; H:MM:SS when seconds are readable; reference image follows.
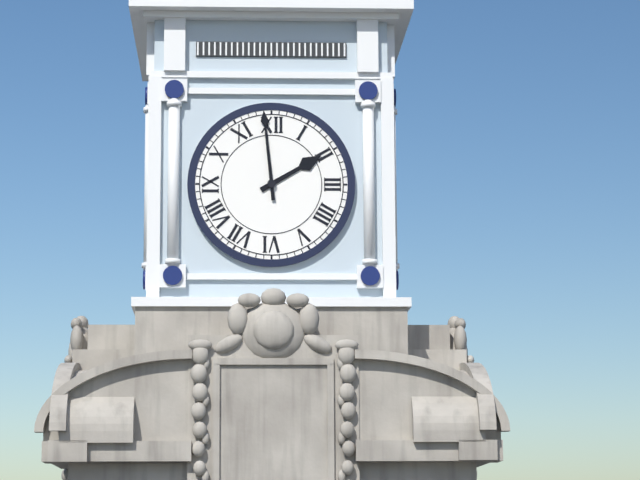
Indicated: **1:59**
